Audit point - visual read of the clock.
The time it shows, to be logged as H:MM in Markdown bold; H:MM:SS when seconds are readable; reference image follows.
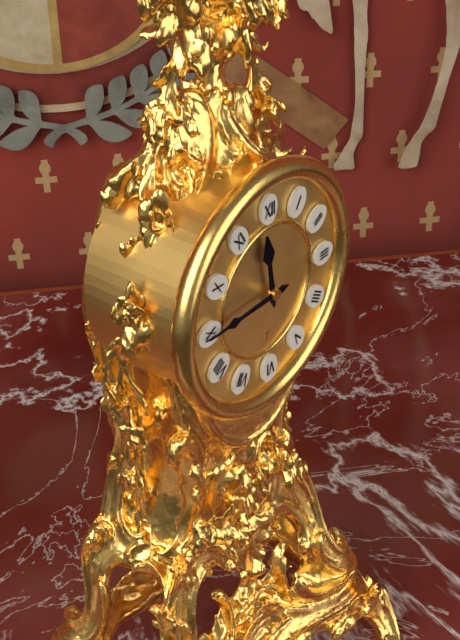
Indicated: **11:45**
